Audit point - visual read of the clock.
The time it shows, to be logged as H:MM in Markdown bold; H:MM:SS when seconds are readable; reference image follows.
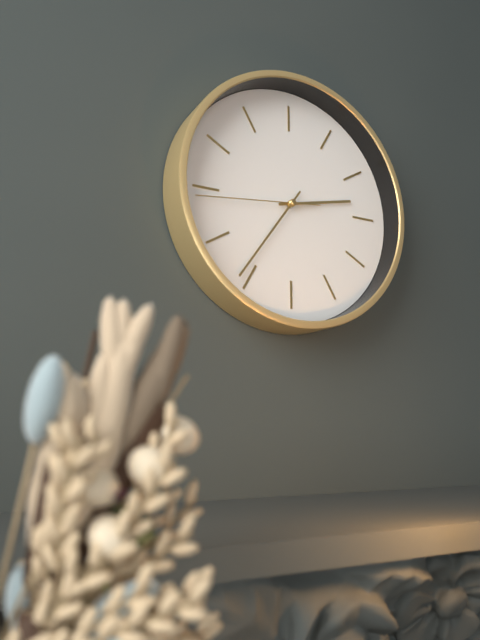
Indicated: **2:36:44**
